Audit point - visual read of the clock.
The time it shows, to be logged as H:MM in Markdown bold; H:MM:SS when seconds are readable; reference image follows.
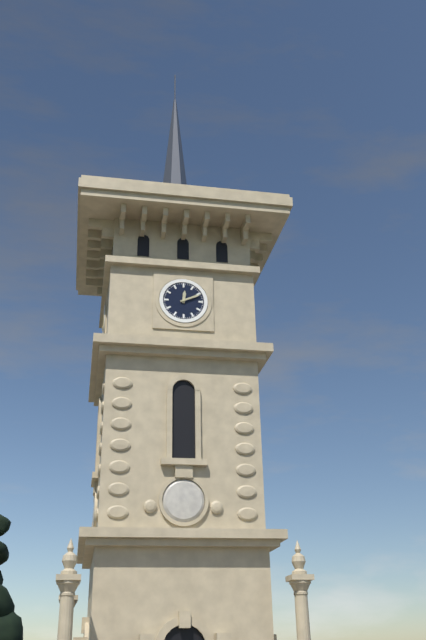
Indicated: **12:11**
